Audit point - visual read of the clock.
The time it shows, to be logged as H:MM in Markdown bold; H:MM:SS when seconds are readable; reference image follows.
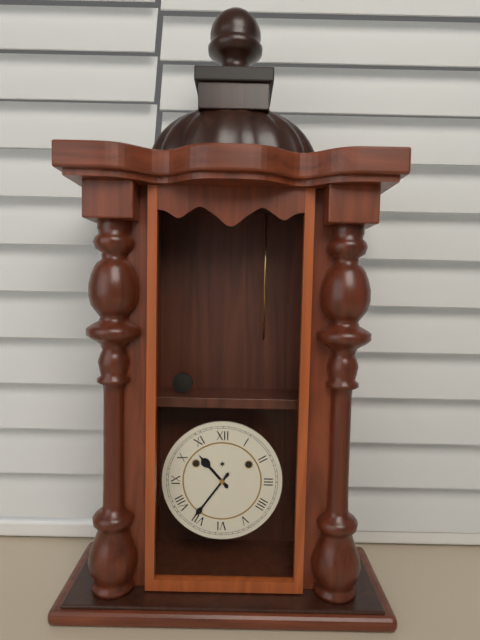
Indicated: **10:36**
